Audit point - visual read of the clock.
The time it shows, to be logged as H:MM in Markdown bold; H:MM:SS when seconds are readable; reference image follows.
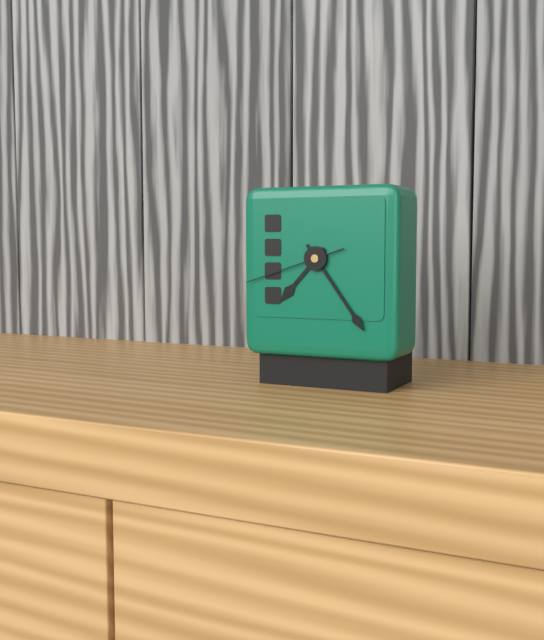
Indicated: **7:24:42**
